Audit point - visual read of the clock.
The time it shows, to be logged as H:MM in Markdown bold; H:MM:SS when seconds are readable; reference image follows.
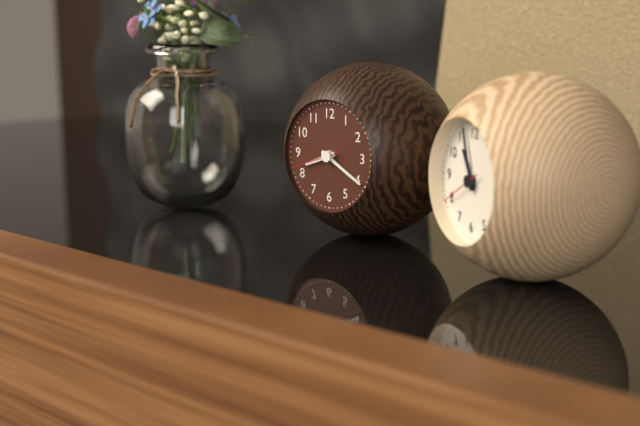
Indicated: **8:20**
